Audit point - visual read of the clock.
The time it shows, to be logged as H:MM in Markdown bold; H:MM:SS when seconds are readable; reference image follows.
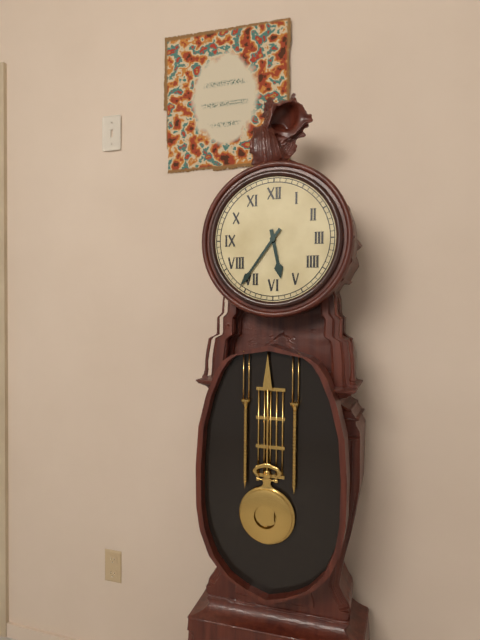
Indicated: **5:36**
